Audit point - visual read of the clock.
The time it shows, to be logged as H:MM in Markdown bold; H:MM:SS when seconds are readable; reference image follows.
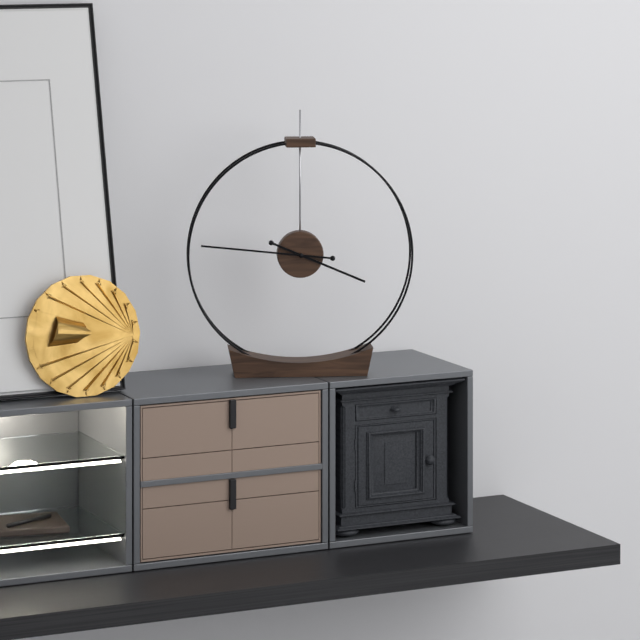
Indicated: **3:46**
